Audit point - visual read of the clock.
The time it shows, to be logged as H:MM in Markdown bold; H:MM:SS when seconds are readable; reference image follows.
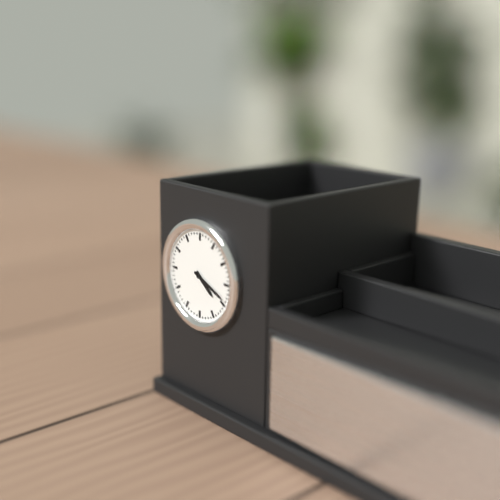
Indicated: **4:19**
